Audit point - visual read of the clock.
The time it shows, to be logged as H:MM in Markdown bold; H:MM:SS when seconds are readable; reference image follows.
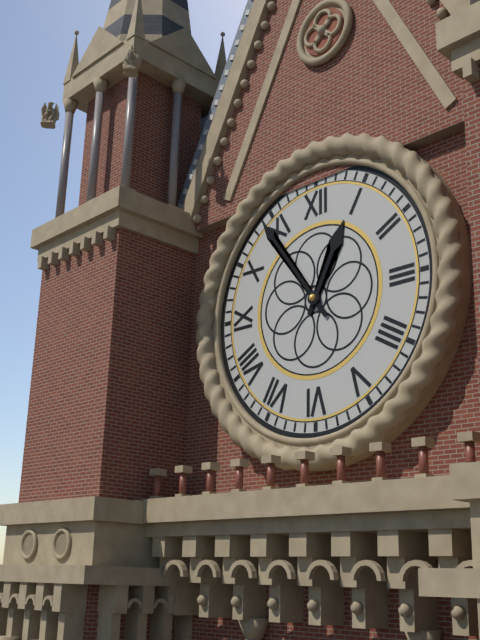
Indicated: **12:54**
